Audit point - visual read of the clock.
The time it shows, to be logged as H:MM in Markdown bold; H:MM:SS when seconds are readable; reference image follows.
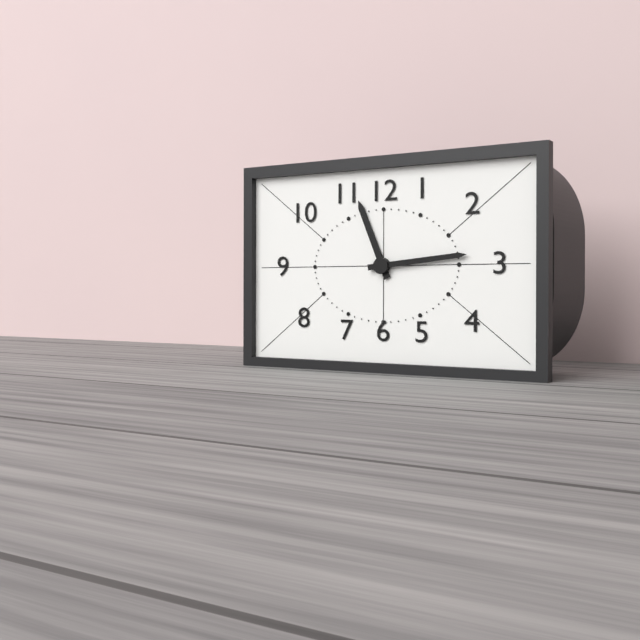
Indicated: **11:14**
